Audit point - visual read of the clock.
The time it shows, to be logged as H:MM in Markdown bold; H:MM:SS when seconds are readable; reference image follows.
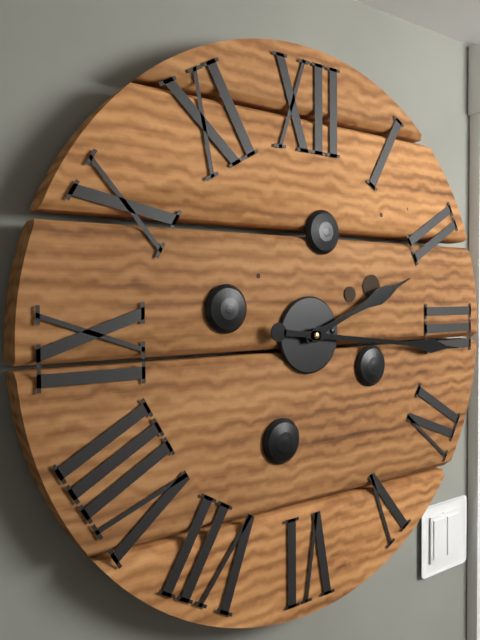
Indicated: **2:16**
